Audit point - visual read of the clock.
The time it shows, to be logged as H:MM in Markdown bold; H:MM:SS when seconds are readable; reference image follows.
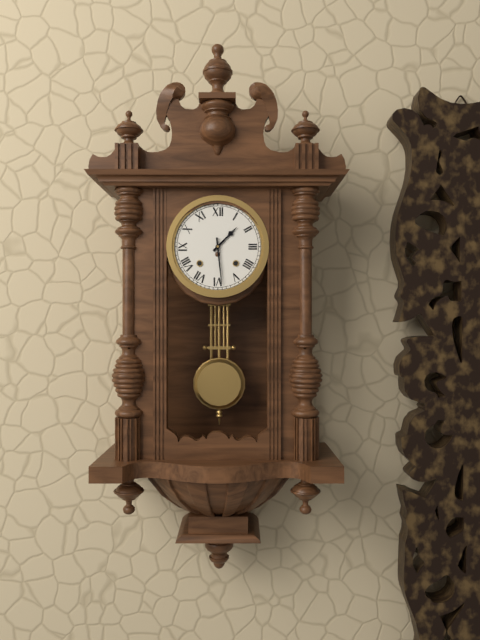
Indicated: **1:29**
